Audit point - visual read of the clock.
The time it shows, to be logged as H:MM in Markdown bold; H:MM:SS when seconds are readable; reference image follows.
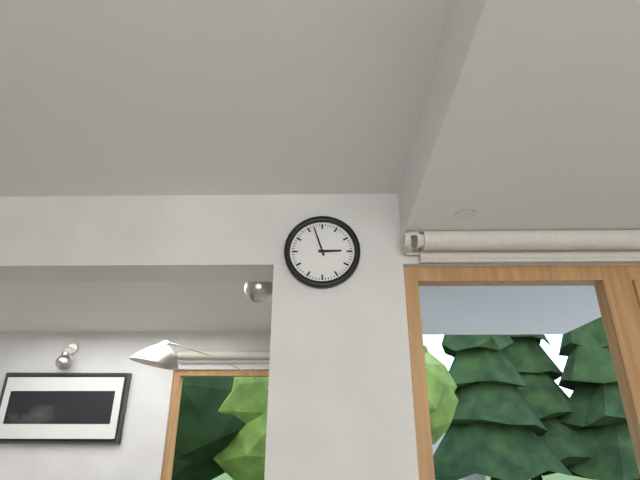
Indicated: **2:57**
